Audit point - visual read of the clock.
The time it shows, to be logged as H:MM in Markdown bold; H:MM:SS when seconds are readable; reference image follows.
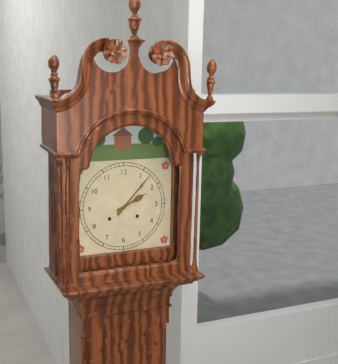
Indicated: **2:07**
